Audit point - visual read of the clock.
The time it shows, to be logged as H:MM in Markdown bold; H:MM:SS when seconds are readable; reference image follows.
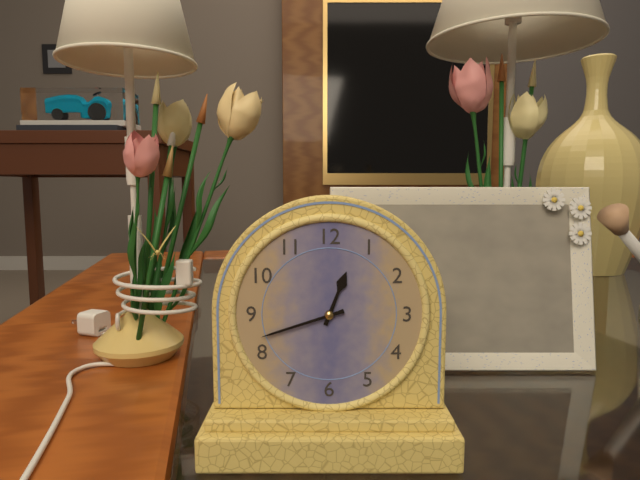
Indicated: **12:42**
